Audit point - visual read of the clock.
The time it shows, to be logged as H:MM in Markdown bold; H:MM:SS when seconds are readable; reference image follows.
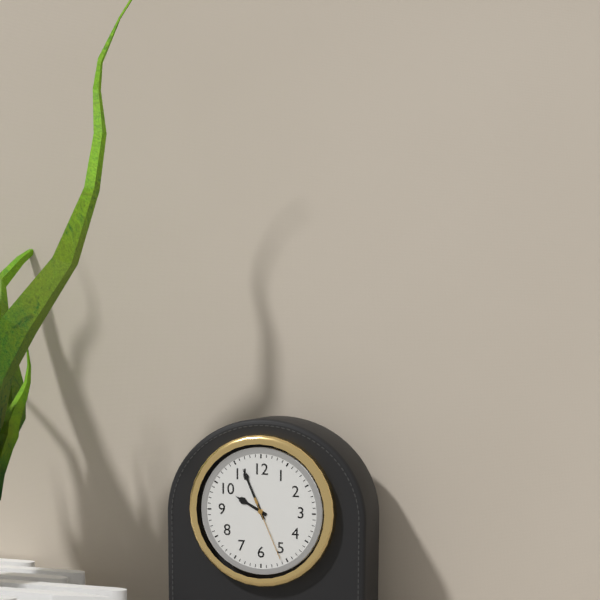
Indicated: **9:56:26**
